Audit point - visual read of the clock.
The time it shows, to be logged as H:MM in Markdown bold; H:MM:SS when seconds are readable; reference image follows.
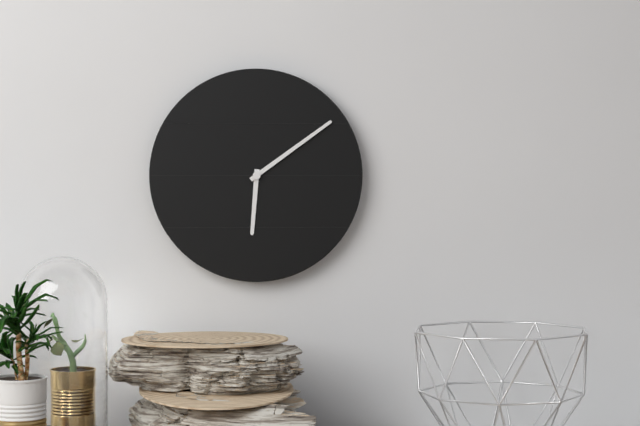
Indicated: **6:09**
